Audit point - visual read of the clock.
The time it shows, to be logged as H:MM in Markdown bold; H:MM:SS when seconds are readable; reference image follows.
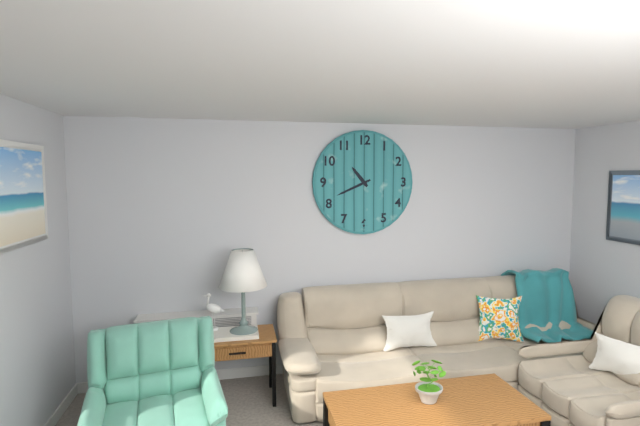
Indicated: **10:41**
